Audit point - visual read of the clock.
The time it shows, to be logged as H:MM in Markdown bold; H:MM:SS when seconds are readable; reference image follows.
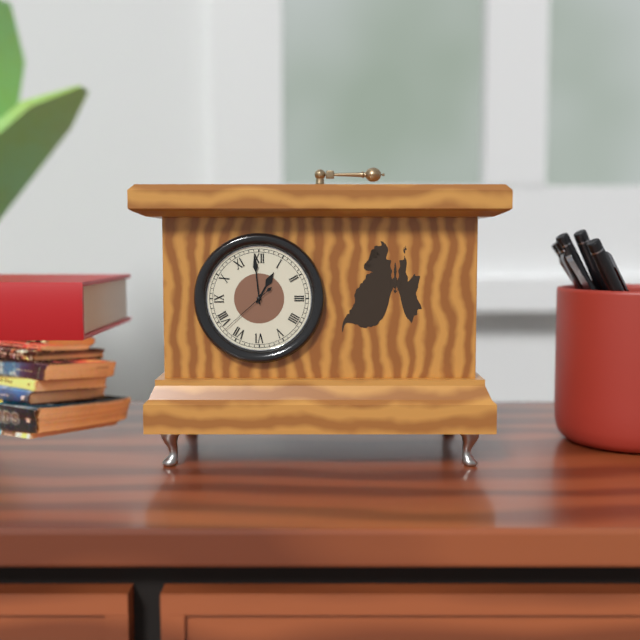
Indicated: **12:59:38**
